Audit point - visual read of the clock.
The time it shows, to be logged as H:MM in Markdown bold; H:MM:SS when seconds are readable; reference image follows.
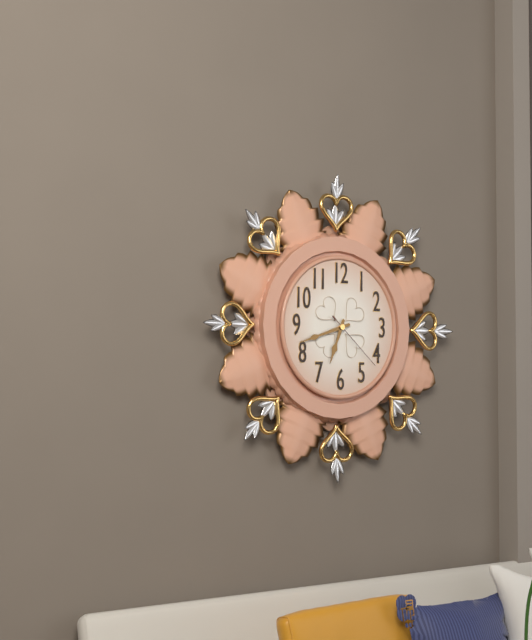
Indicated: **6:42:22**
